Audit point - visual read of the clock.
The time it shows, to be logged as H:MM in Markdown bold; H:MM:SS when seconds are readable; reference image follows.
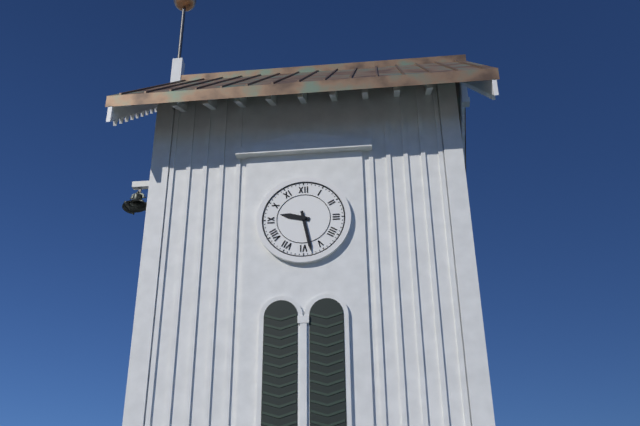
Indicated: **9:28**
